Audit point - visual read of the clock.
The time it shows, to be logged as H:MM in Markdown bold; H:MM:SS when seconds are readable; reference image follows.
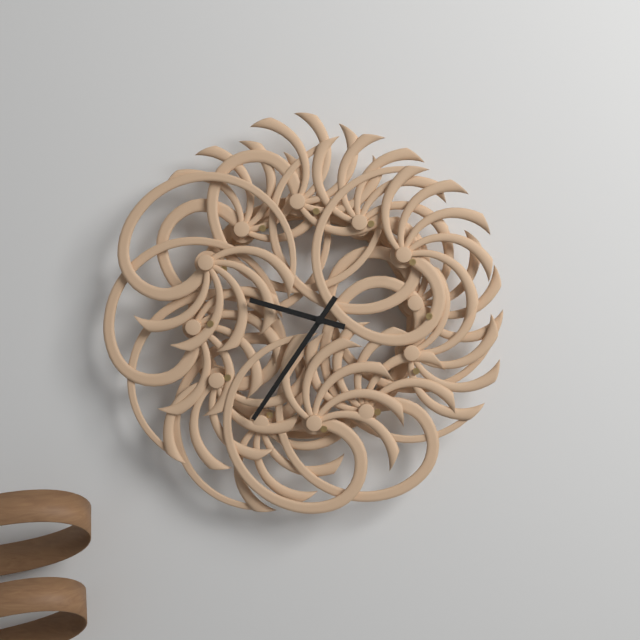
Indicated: **9:36**
